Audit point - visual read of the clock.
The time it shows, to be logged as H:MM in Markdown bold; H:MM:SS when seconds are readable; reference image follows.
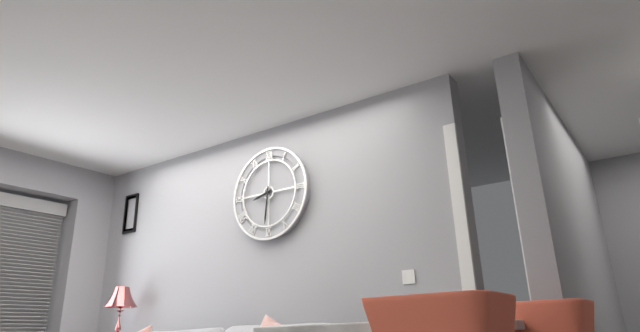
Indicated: **8:31**
